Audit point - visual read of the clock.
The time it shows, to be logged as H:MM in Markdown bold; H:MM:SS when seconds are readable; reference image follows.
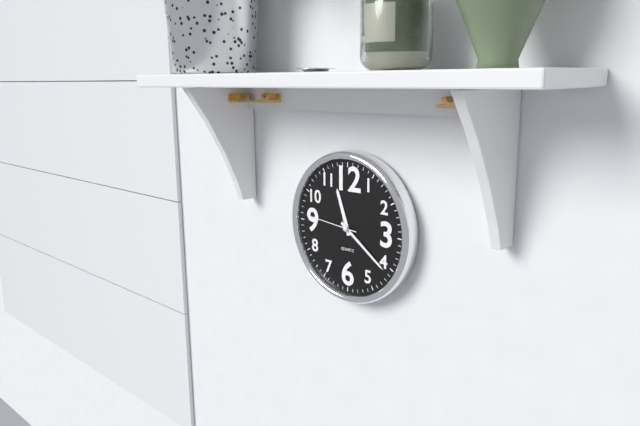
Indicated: **11:21:46**
